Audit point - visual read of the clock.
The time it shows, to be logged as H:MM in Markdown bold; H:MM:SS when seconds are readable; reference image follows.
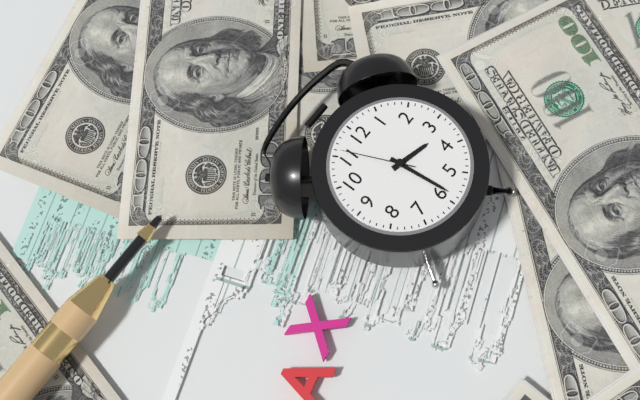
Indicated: **3:29:56**
